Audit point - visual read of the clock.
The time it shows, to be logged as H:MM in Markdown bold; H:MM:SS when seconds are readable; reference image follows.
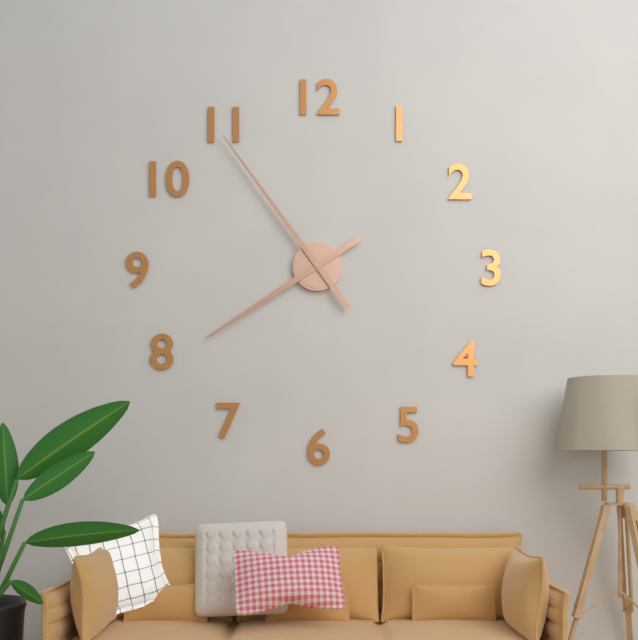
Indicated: **7:54**
